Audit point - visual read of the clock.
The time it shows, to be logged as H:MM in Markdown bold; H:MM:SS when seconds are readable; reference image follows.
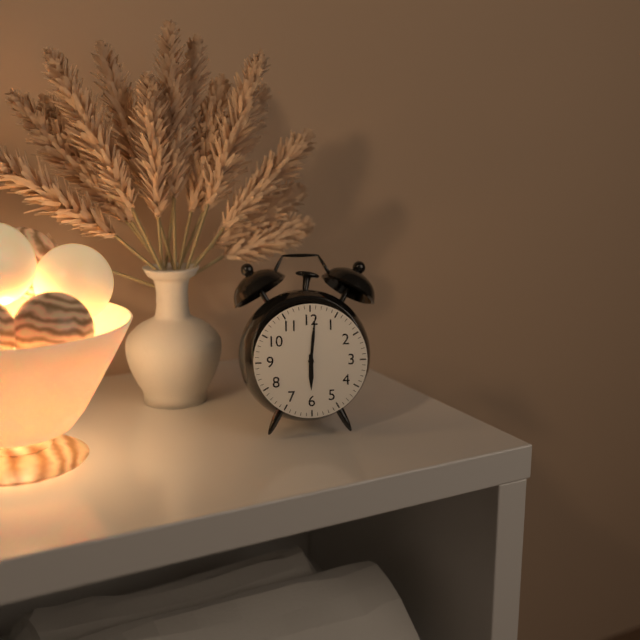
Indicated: **6:01**
